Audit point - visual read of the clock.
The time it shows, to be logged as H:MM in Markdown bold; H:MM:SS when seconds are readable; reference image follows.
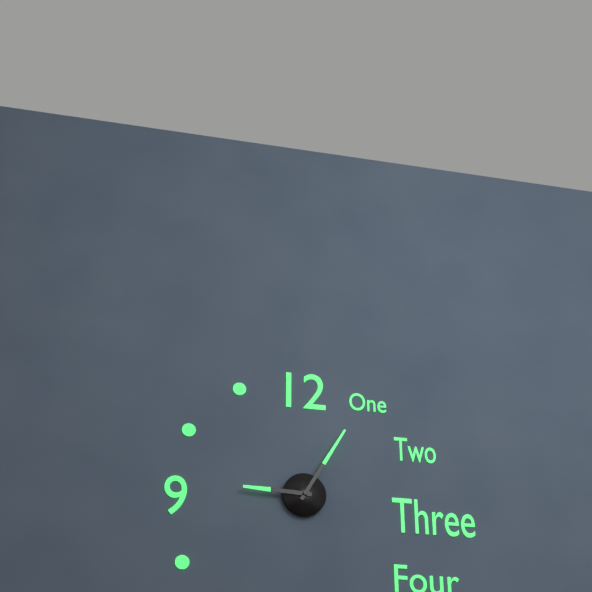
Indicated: **9:05**
